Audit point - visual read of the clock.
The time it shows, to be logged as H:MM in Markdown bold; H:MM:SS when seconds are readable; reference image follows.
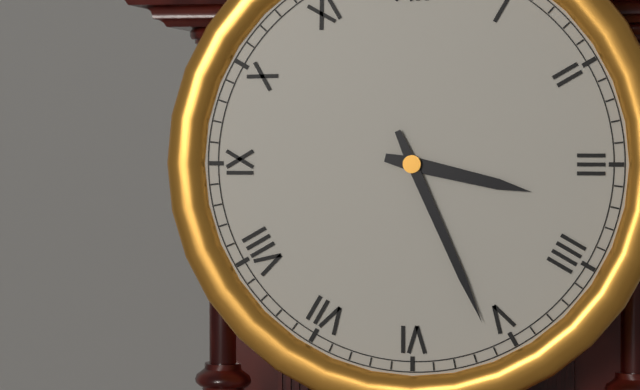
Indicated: **3:26**
